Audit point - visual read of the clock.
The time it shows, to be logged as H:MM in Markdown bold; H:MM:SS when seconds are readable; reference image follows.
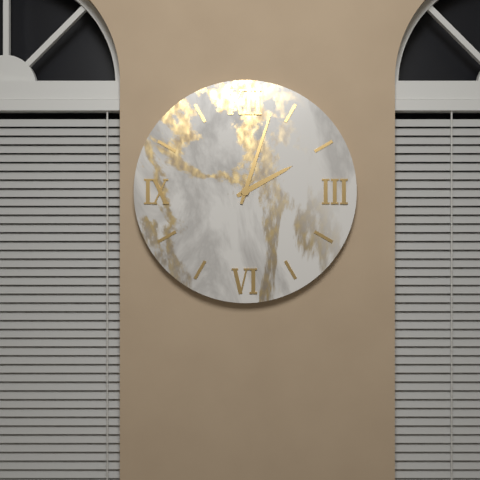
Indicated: **2:03**
